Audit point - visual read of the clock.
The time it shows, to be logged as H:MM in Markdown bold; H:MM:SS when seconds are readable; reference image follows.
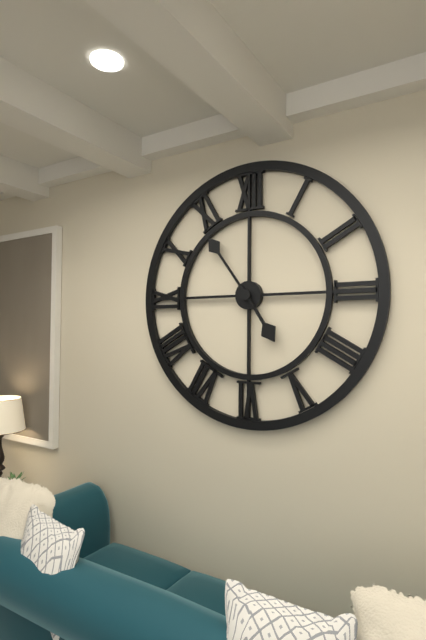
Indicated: **4:54**
